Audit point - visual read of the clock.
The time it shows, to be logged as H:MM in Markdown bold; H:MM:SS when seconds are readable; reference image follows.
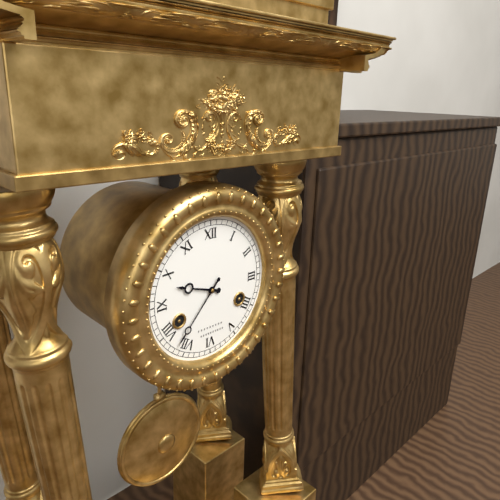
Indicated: **9:37**
